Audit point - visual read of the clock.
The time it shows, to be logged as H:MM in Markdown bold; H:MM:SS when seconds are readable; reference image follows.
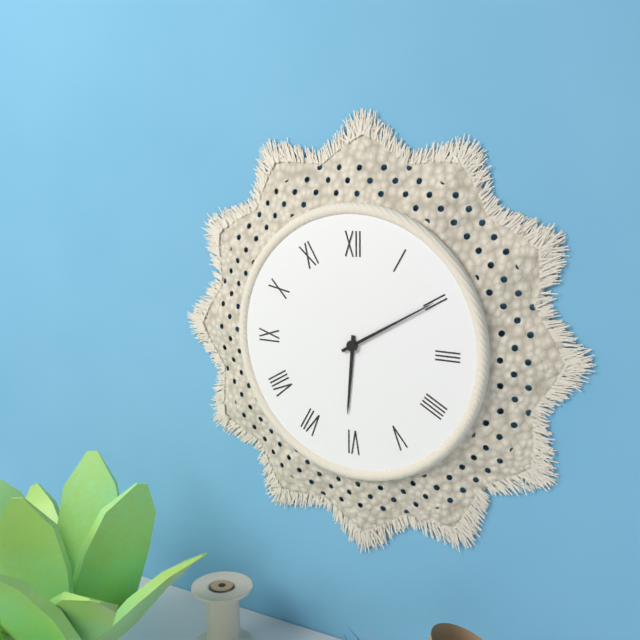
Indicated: **6:10**
